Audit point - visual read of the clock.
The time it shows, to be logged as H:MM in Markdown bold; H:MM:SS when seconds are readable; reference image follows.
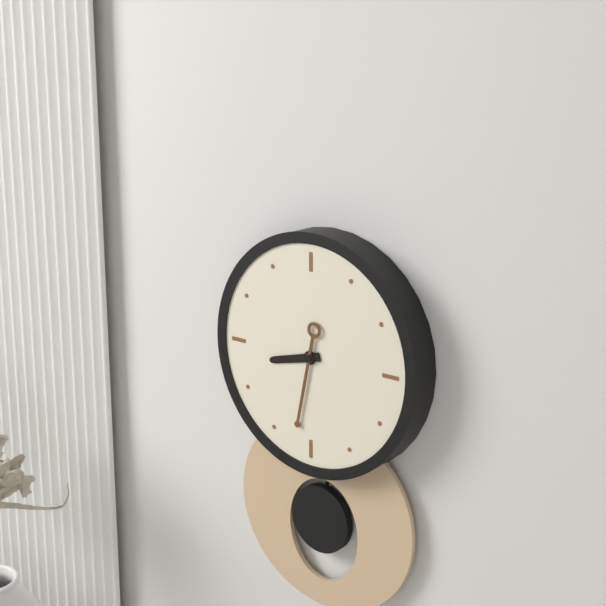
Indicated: **8:32**
